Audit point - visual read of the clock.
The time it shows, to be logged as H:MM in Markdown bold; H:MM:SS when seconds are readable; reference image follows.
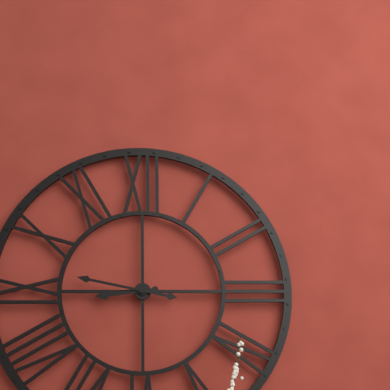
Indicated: **8:47**
